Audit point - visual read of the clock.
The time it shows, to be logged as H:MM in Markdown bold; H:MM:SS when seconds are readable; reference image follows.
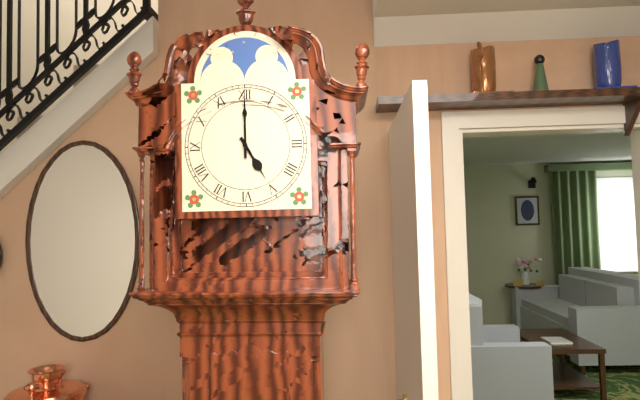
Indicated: **5:00**
